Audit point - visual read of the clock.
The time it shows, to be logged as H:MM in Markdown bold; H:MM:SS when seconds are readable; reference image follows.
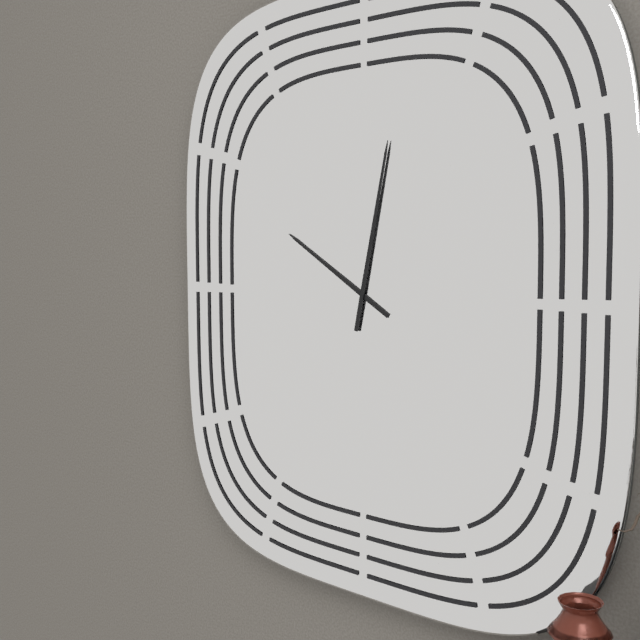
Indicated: **10:02**
